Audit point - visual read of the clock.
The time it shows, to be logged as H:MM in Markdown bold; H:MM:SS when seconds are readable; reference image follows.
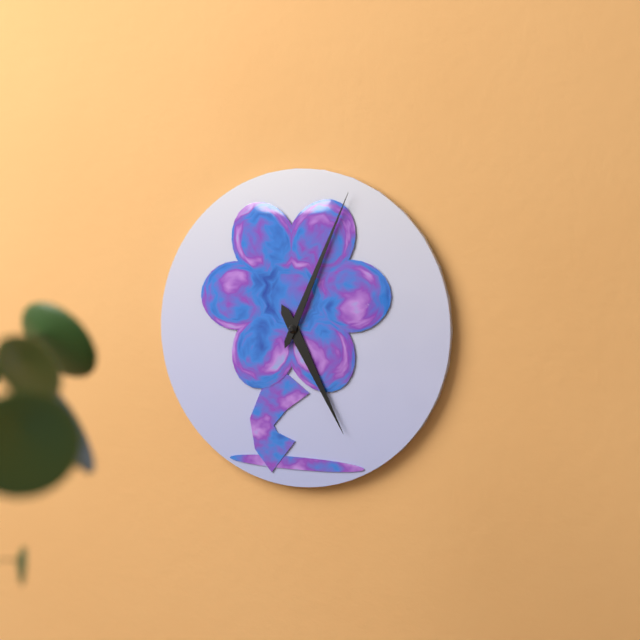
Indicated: **5:04**
